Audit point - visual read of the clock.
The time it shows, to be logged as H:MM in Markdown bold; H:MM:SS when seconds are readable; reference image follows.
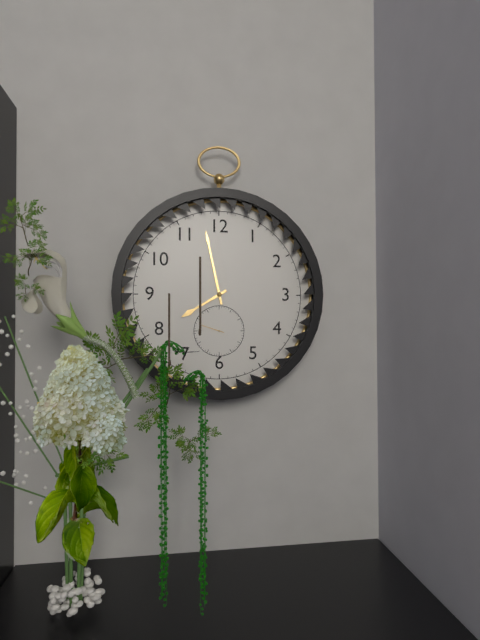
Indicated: **7:58**
